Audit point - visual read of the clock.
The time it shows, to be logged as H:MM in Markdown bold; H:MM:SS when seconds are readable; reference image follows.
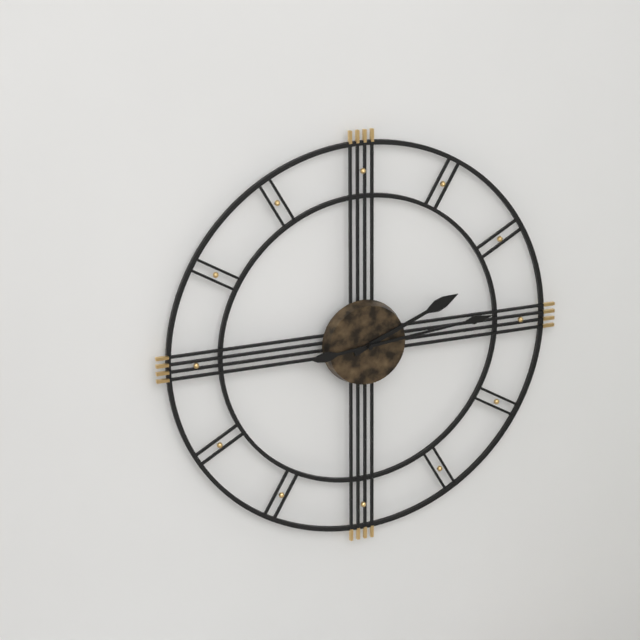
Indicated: **2:14**
